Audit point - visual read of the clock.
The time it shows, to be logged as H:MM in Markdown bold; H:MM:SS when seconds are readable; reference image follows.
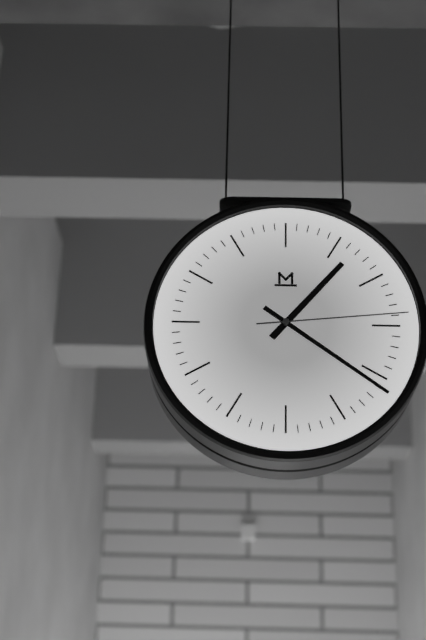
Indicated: **1:21:14**
